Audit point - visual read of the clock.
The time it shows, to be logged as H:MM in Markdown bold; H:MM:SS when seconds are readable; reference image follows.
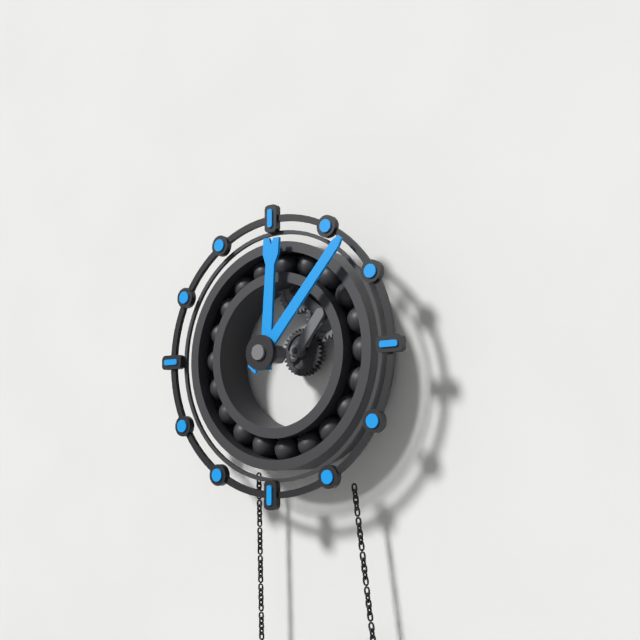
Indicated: **12:07**
